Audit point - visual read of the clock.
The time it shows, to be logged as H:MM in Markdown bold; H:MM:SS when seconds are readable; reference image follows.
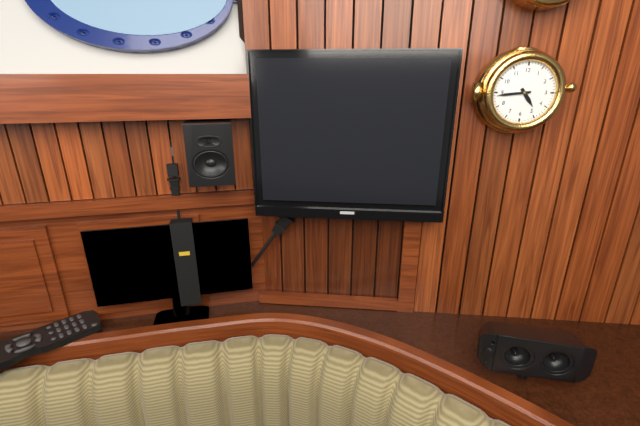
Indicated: **4:44**
